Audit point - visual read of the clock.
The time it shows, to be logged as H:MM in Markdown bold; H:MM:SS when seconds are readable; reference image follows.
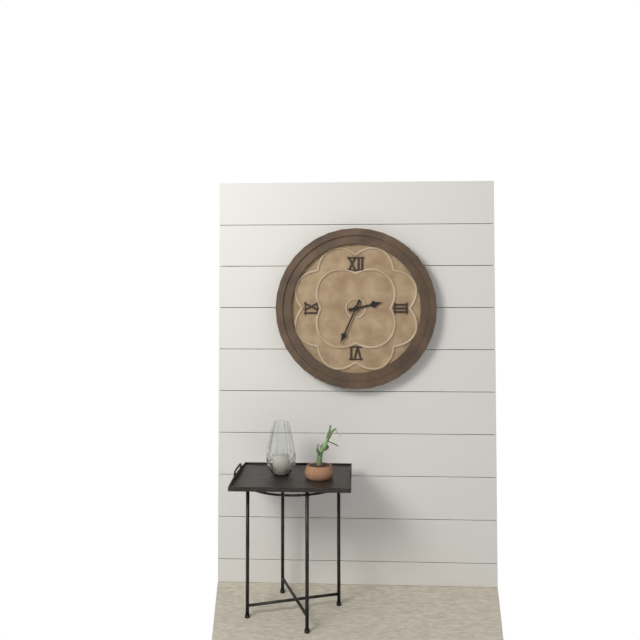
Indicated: **2:34**
